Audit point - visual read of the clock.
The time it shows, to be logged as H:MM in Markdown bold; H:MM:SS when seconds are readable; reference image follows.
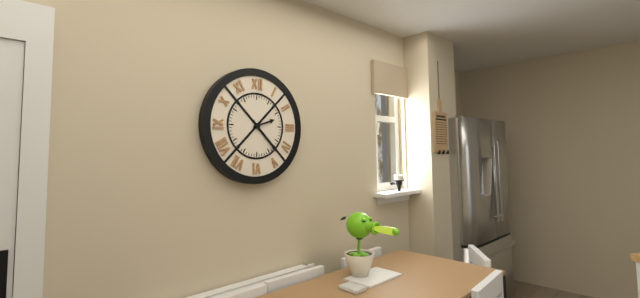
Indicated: **2:23**
